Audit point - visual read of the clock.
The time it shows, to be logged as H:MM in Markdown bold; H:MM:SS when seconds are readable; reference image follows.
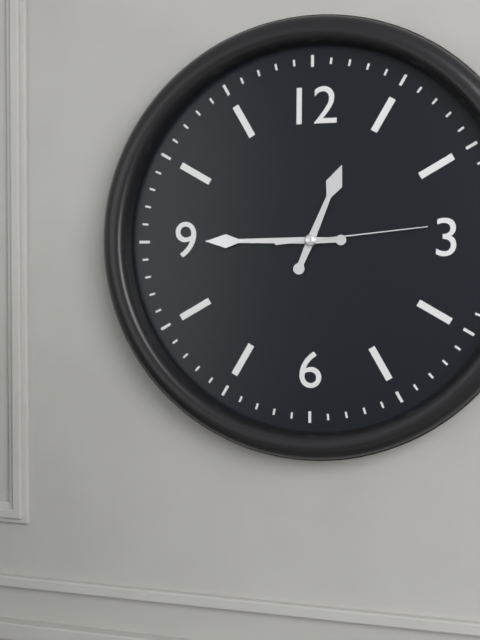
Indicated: **12:45:14**
